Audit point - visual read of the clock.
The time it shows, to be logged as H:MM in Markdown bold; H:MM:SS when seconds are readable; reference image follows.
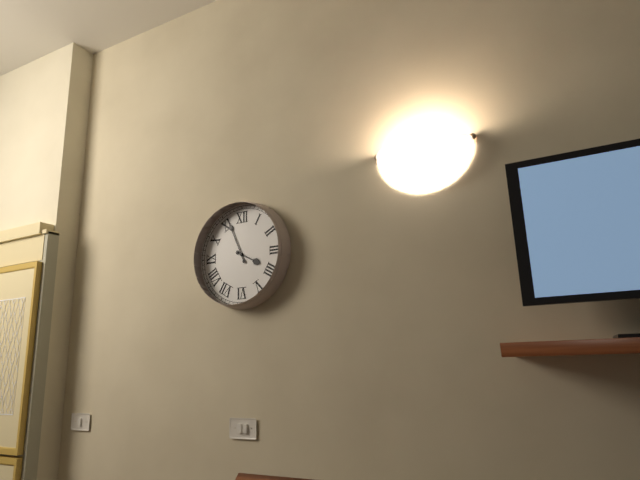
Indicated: **3:56**
